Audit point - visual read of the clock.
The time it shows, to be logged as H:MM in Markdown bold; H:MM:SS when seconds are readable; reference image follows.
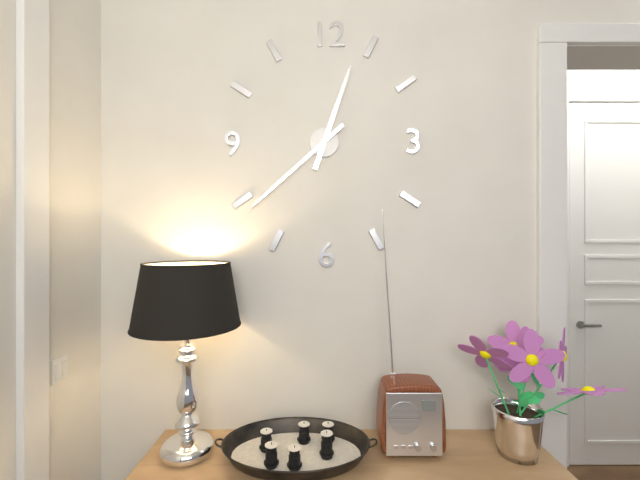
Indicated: **12:38**
